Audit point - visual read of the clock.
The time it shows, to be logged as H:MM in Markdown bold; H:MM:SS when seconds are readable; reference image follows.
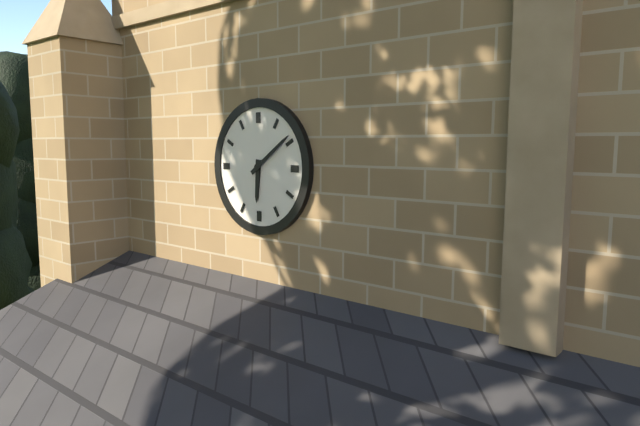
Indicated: **6:09**
